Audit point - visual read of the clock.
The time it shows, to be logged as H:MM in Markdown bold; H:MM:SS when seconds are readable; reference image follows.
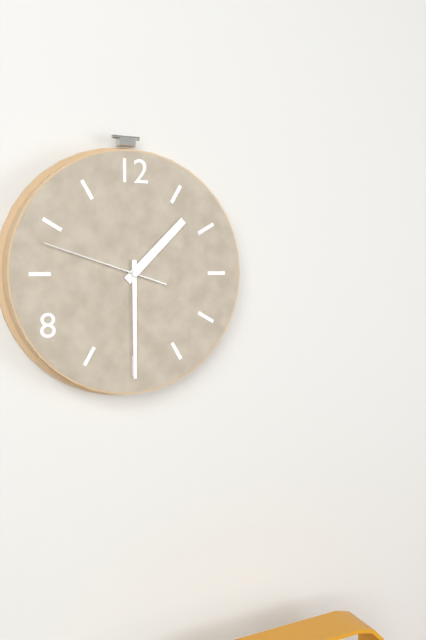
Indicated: **1:30:48**
